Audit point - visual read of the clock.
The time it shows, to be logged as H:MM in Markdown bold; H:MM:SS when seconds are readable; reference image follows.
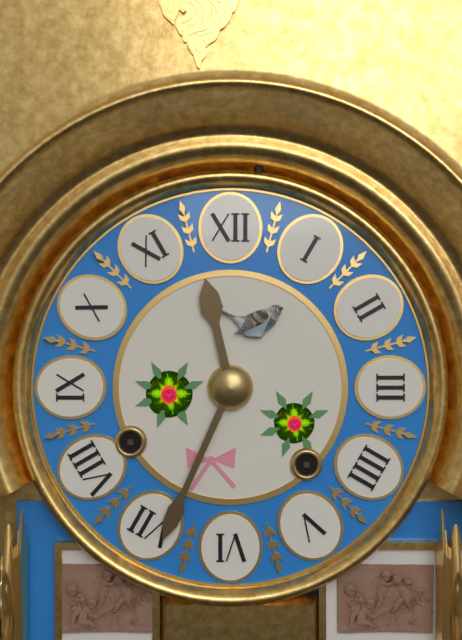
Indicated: **11:34**
